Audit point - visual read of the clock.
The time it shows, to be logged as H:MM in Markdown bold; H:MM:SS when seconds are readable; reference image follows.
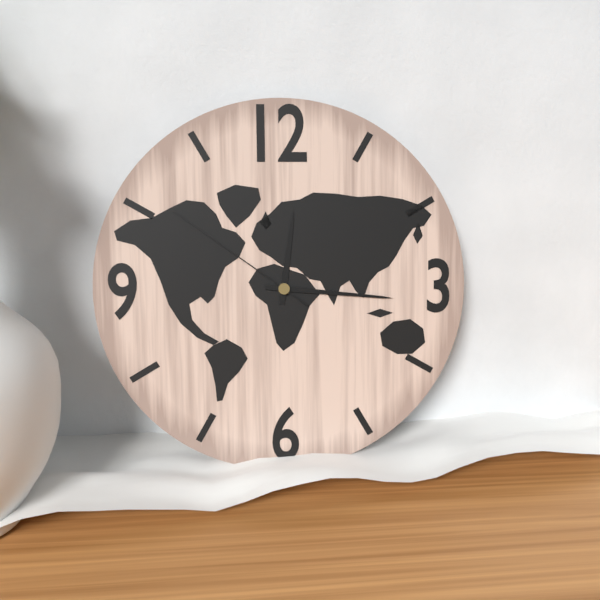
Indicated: **12:16:51**
